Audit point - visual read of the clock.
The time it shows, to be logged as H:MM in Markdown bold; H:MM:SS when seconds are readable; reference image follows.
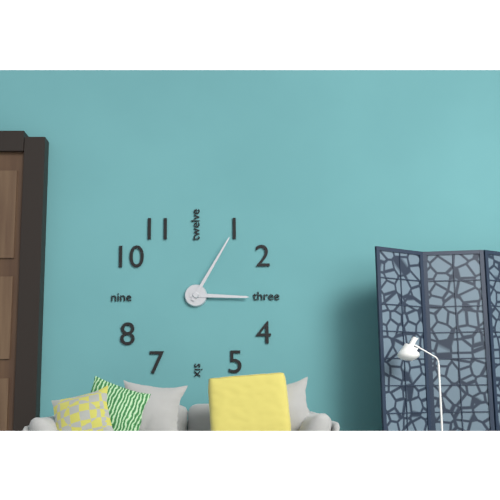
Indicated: **3:05**
